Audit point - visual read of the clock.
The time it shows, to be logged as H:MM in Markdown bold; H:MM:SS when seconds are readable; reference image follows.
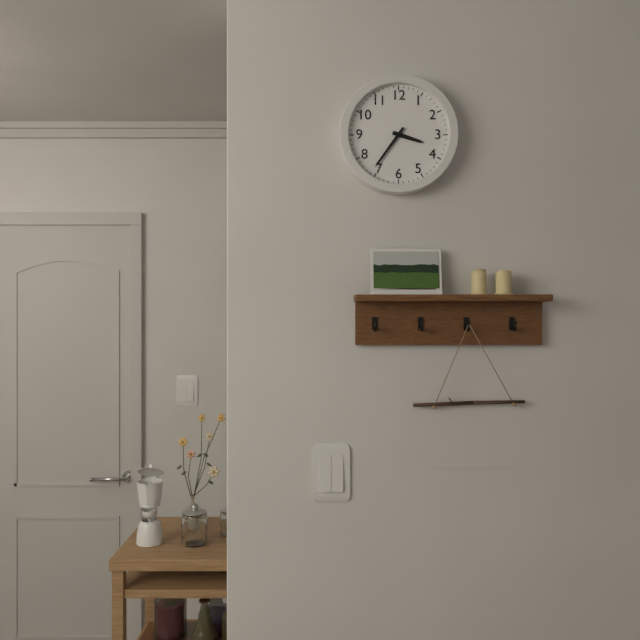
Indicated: **3:36**
